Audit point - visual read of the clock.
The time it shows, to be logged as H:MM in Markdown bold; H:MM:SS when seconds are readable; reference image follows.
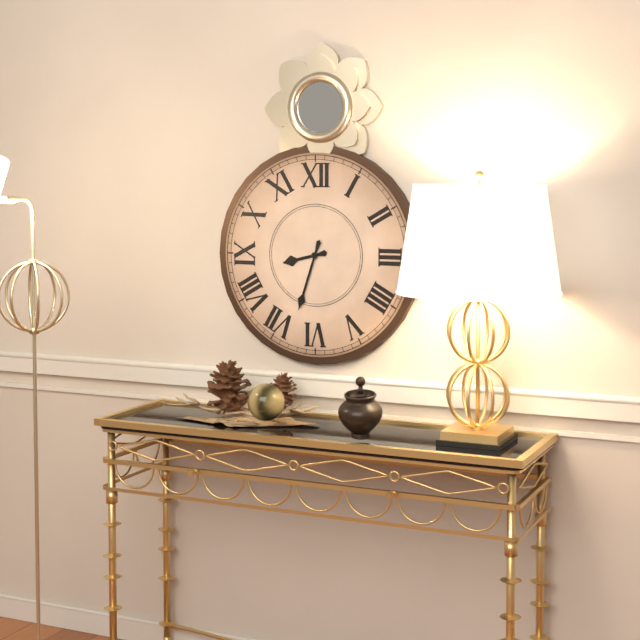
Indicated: **8:33**
